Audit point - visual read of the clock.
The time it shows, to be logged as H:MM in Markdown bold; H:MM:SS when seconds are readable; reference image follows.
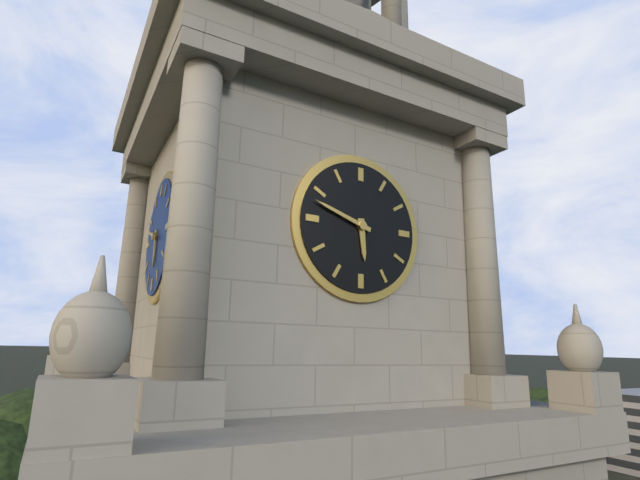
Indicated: **5:48**
